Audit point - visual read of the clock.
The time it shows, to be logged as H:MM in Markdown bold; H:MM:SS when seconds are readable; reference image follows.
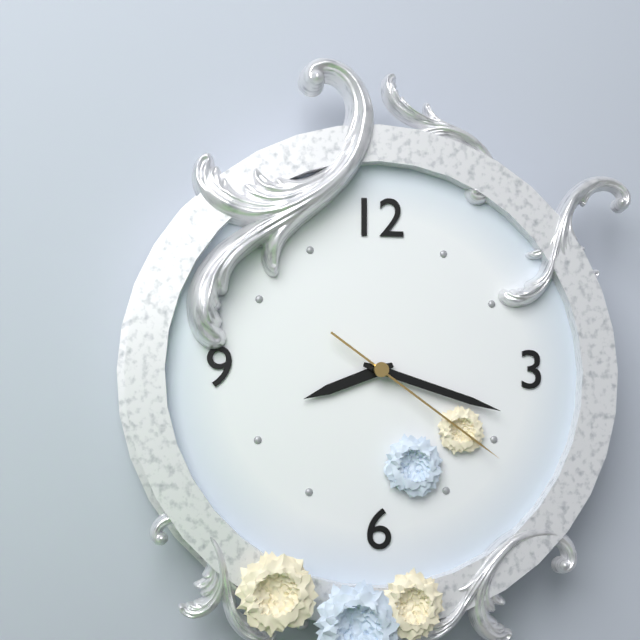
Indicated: **8:18:21**
